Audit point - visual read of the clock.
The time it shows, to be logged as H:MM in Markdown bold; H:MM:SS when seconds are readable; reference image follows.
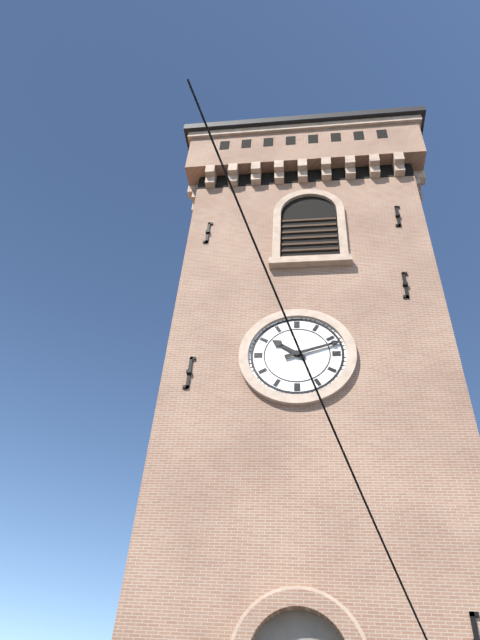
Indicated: **10:12**
